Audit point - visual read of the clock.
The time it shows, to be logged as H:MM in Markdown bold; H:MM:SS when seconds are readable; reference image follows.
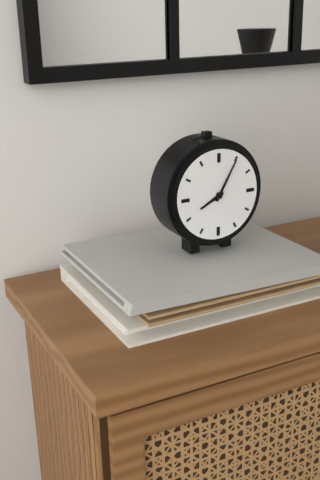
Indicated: **8:05**
